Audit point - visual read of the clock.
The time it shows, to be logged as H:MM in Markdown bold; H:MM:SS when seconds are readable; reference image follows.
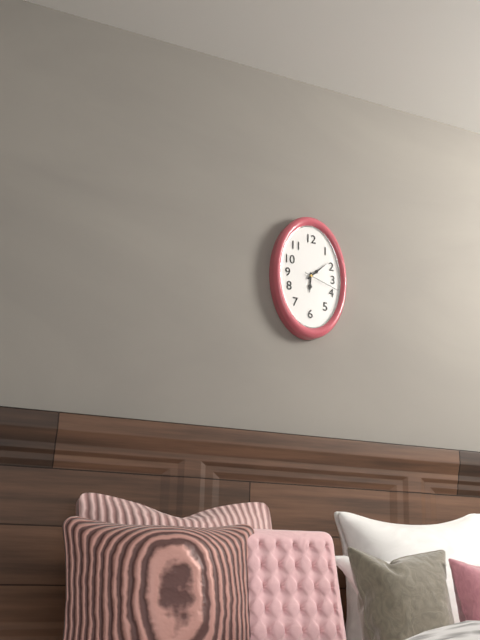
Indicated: **6:08**
